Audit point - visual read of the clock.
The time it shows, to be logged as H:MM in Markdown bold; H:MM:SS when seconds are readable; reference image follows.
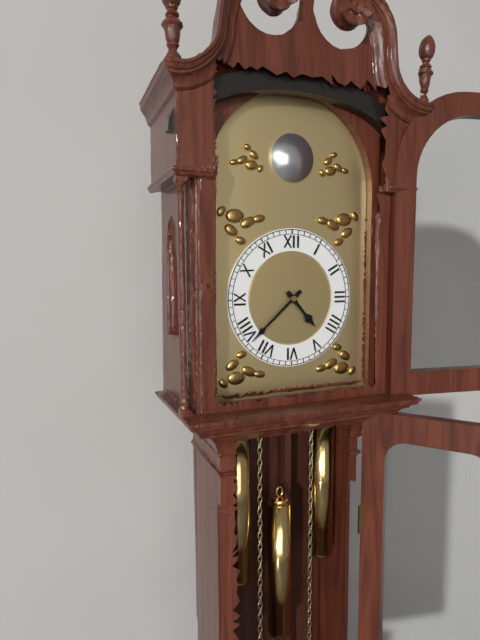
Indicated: **4:38**
